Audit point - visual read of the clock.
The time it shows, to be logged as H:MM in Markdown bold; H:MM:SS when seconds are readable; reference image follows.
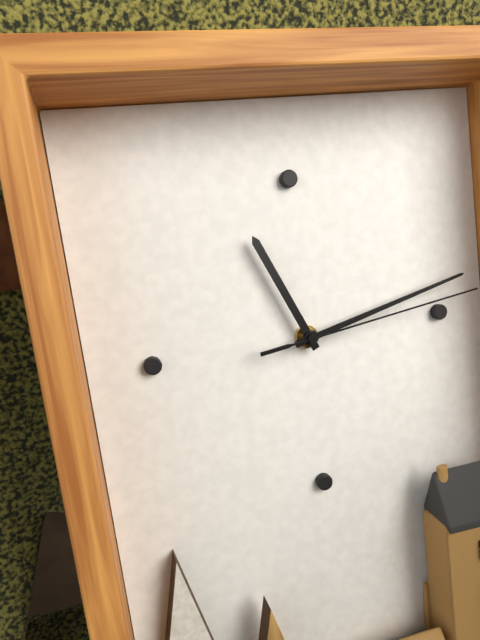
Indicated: **11:13:14**
